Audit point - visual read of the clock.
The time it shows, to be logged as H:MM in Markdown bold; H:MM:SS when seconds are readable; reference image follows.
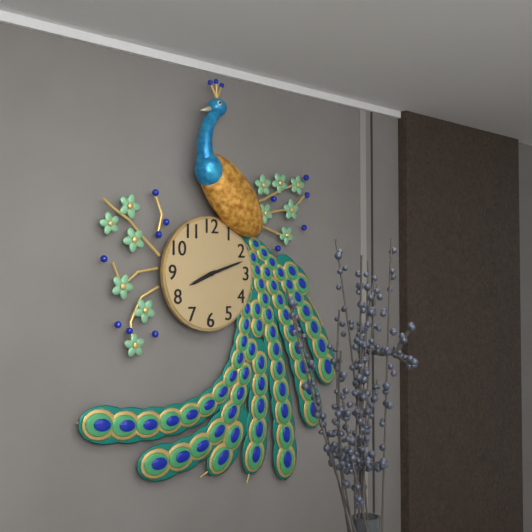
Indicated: **8:12**
